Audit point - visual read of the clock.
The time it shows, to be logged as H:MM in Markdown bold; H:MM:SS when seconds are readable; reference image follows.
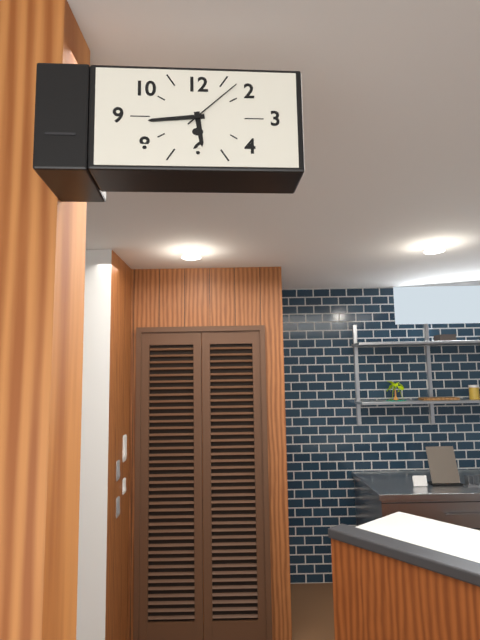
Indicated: **5:44:08**
